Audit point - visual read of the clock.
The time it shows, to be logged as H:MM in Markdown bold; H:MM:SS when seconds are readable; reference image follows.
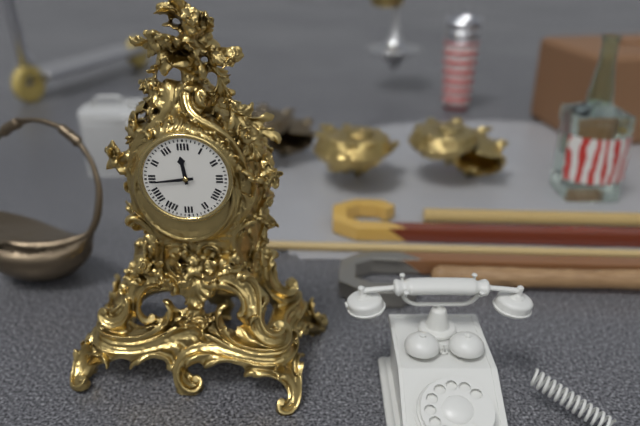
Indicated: **11:44**
